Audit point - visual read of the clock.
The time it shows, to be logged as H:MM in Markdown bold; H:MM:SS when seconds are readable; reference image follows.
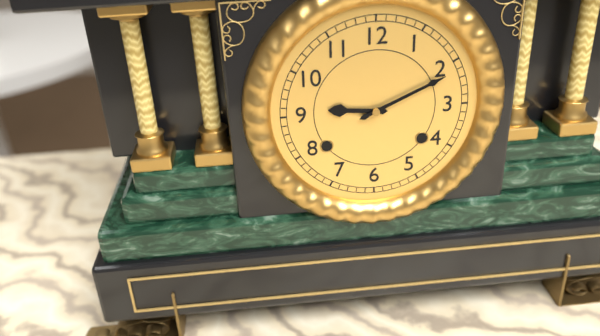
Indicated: **9:11**
